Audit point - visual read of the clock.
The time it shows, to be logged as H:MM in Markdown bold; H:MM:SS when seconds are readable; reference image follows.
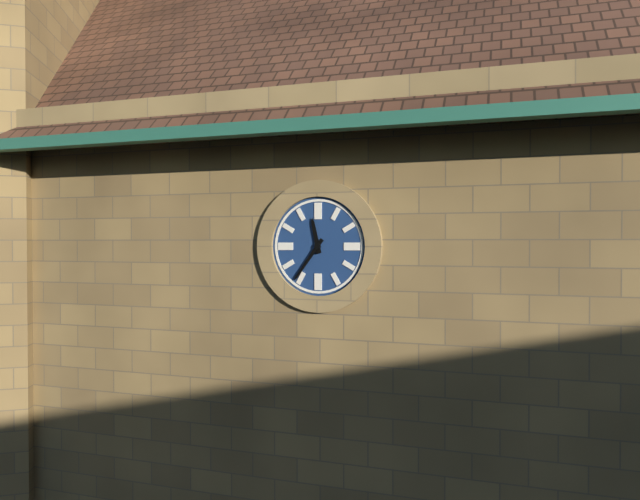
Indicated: **11:36**
